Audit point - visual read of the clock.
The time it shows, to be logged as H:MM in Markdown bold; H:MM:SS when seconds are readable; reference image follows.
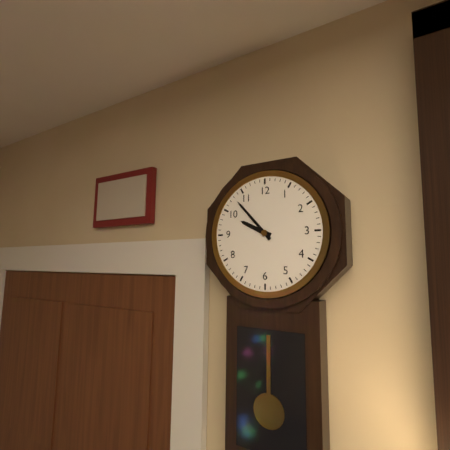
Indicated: **9:53**
